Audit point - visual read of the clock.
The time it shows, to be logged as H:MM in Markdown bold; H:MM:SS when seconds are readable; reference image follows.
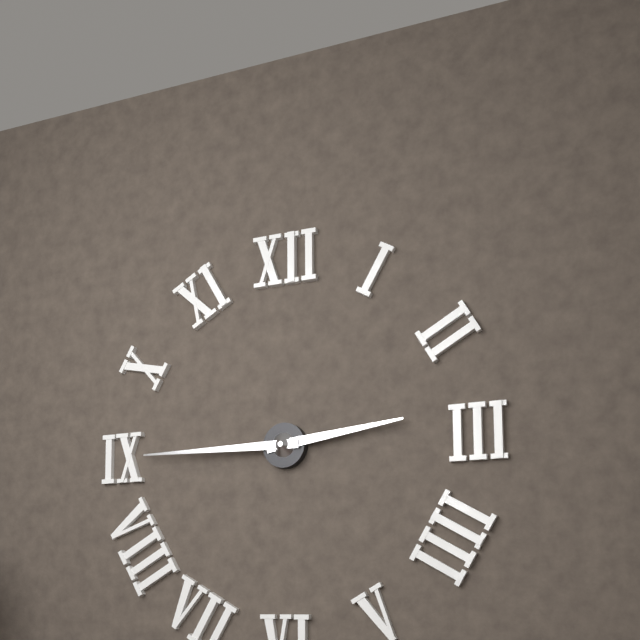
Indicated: **2:45**
